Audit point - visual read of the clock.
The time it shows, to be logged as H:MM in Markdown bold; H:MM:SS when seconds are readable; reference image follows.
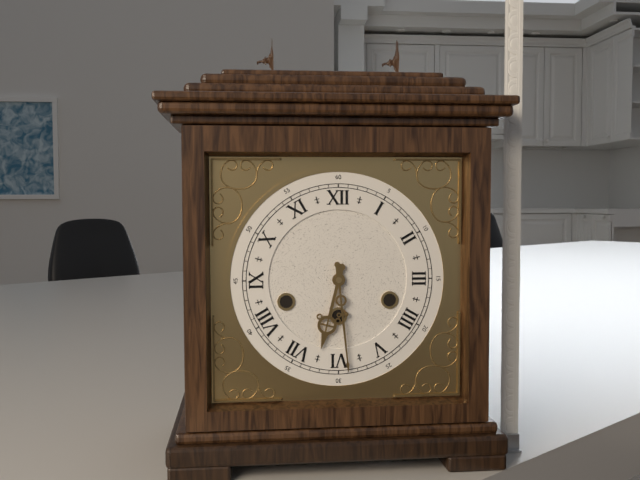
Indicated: **6:29**
